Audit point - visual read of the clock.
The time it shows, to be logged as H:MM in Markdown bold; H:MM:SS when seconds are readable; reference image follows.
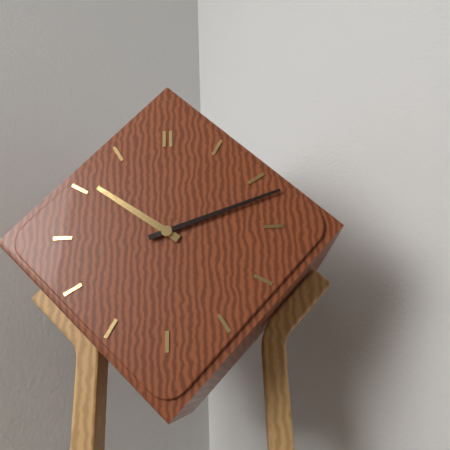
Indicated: **10:12**
